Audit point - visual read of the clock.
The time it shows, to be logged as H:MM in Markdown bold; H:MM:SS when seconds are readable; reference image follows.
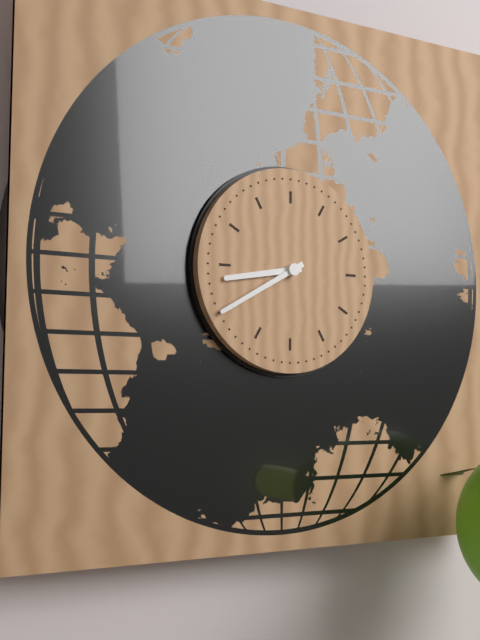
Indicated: **8:40**
